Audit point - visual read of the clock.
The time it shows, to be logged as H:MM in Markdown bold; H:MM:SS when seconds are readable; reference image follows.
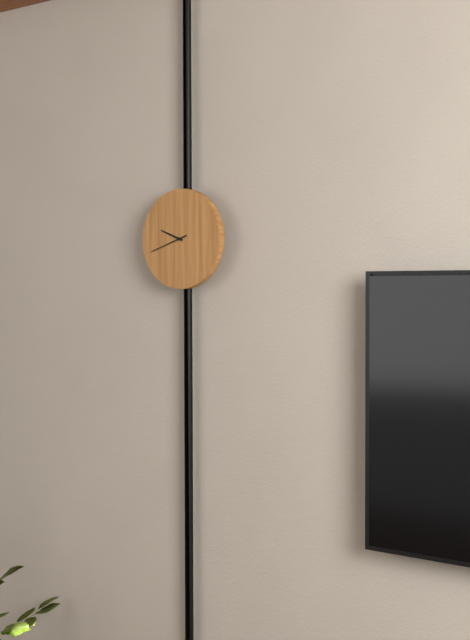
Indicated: **9:42**
